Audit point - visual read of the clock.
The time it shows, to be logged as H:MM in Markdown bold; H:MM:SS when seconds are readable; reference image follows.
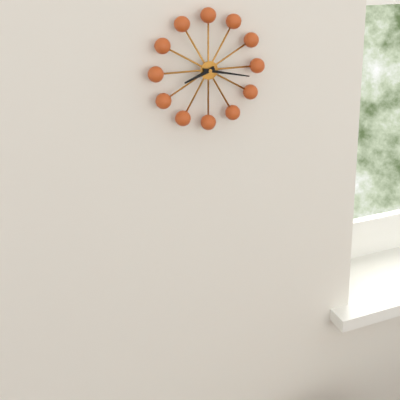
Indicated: **8:17**
